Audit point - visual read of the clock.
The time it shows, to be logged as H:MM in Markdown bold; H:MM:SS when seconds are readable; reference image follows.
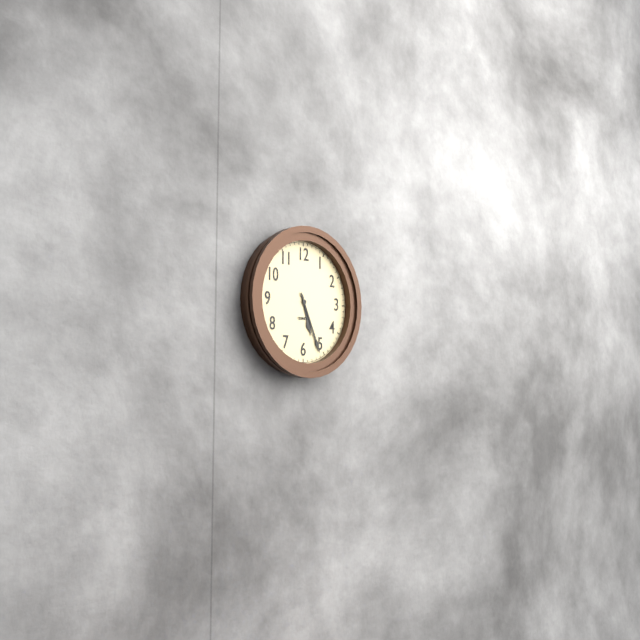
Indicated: **5:26**
